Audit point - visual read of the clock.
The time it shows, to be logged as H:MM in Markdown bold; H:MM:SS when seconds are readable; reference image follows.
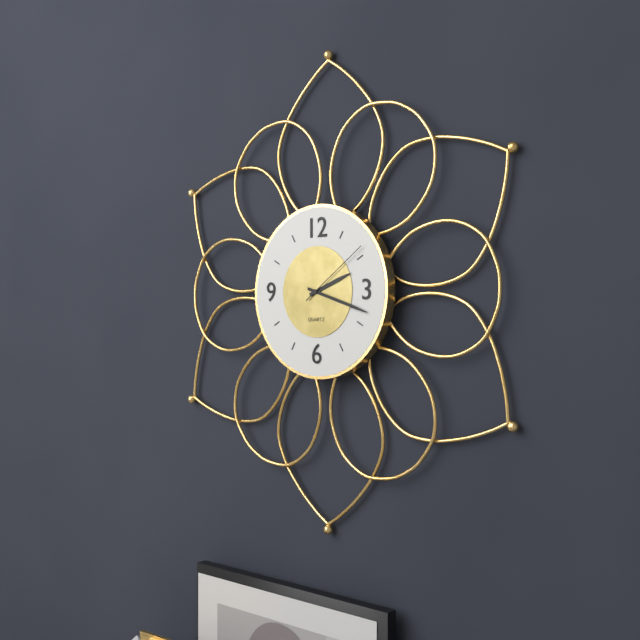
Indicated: **2:18:09**
